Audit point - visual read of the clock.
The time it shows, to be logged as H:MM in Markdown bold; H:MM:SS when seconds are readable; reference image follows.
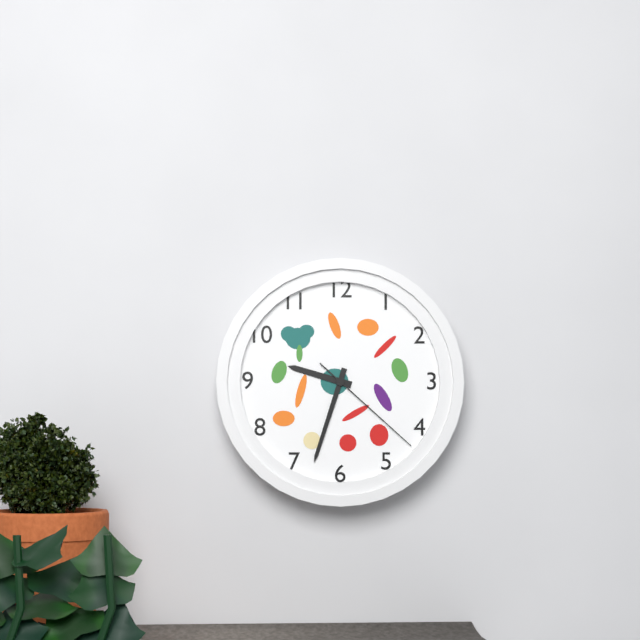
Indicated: **9:33:22**
